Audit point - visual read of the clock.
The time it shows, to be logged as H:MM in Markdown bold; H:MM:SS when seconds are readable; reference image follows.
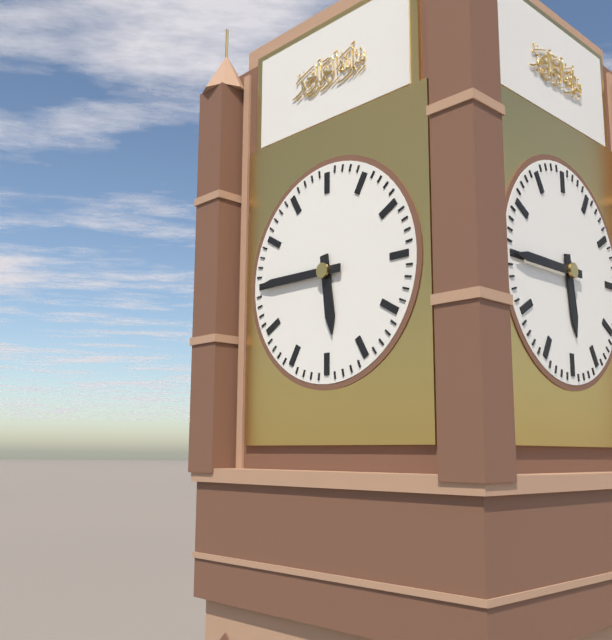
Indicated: **5:45**
